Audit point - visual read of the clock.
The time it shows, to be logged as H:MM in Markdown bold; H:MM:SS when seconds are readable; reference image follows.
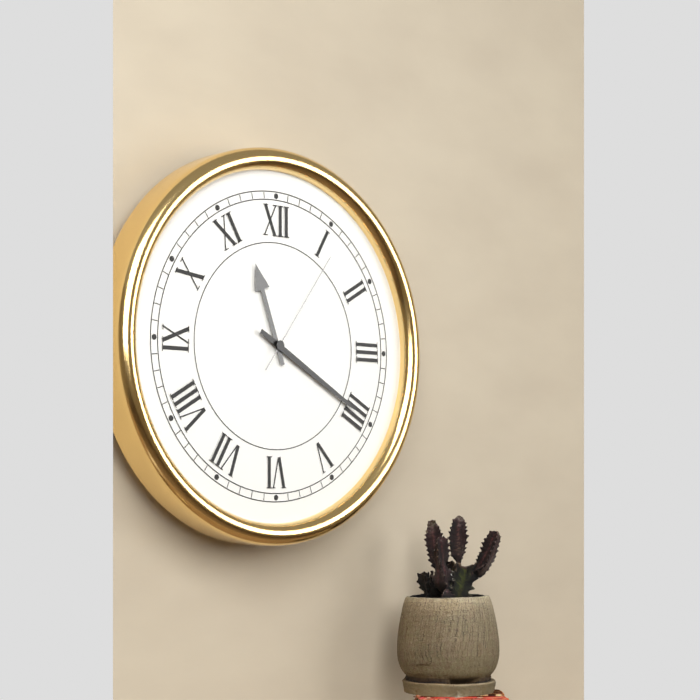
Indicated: **11:20:06**
